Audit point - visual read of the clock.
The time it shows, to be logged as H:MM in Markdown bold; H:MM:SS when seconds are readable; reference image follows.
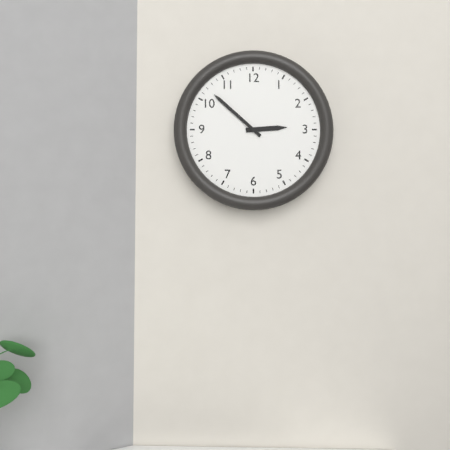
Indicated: **2:52**
